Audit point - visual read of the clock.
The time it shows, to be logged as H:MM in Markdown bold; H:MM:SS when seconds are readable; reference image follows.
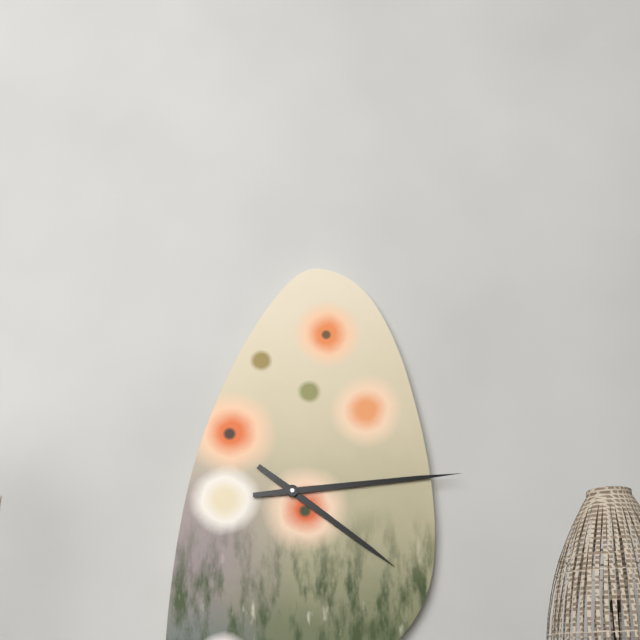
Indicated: **4:14**
